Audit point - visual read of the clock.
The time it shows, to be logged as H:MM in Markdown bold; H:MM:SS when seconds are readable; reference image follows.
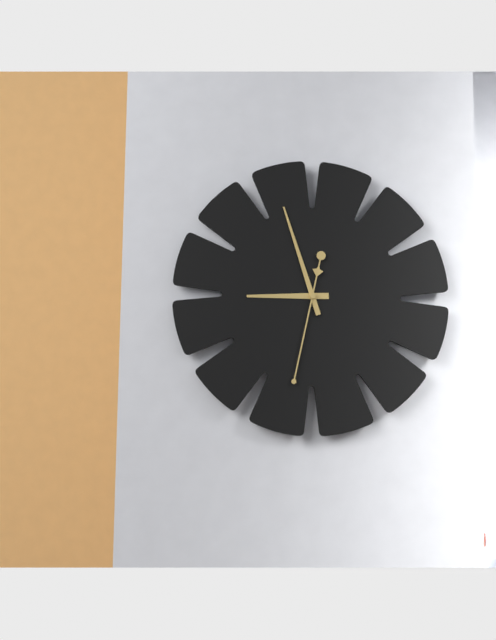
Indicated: **8:57:32**
